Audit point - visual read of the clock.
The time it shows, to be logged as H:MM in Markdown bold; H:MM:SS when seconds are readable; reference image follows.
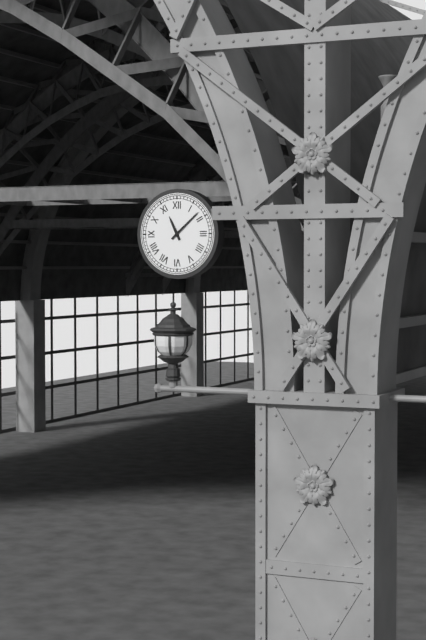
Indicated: **11:08**
